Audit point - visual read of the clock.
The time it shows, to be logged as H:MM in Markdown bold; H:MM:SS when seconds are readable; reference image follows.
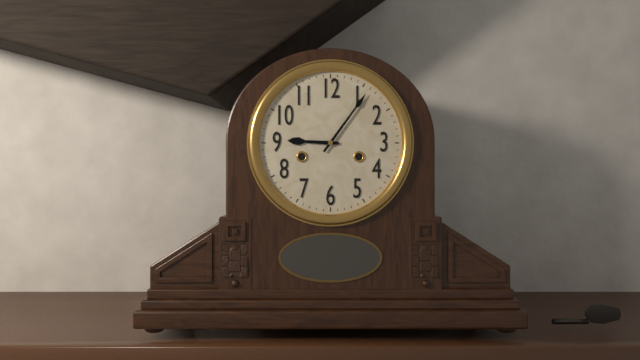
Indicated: **9:06**
